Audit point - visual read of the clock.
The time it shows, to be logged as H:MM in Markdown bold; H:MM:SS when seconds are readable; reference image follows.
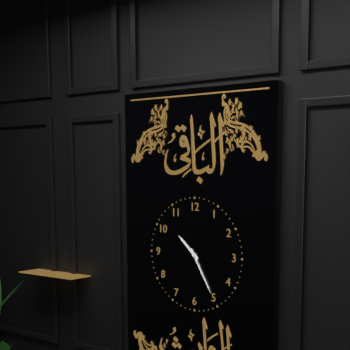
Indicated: **10:25**
